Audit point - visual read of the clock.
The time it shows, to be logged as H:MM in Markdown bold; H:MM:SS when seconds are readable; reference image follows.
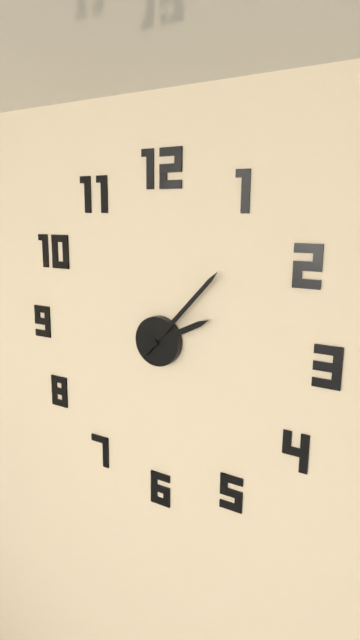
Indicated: **2:07**
